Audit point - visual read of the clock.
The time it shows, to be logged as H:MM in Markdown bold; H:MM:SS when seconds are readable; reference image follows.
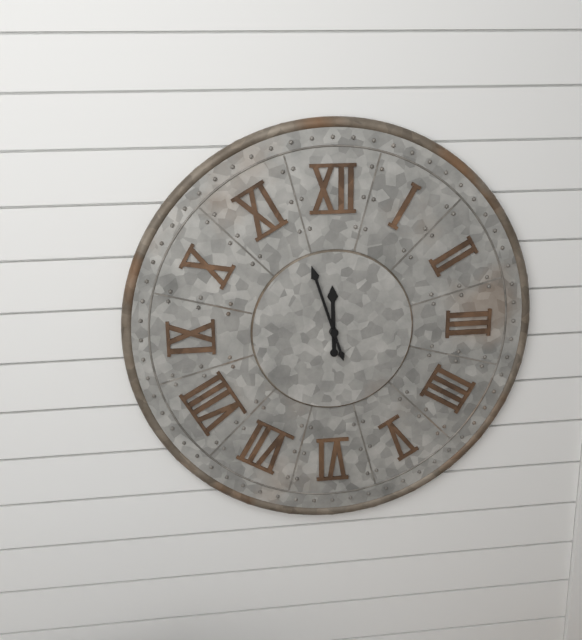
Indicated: **11:57**
